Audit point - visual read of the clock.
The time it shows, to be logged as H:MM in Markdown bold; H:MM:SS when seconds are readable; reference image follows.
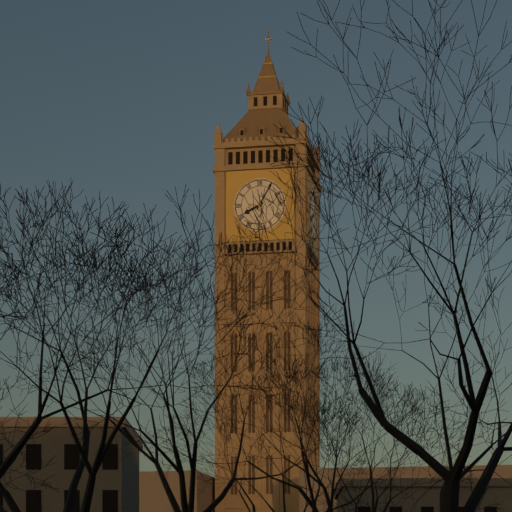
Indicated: **8:05**
